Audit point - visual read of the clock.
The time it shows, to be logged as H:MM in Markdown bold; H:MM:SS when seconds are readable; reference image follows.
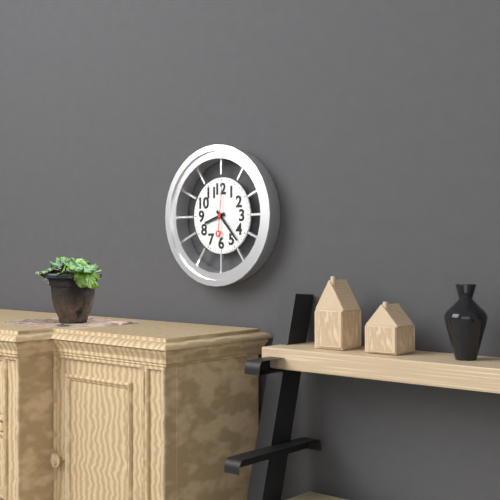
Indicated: **8:23**
